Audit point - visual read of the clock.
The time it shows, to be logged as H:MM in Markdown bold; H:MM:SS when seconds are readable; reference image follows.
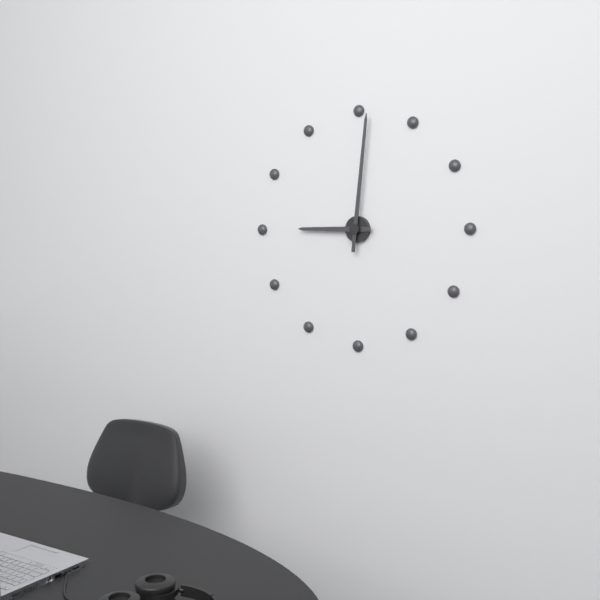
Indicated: **9:01**
